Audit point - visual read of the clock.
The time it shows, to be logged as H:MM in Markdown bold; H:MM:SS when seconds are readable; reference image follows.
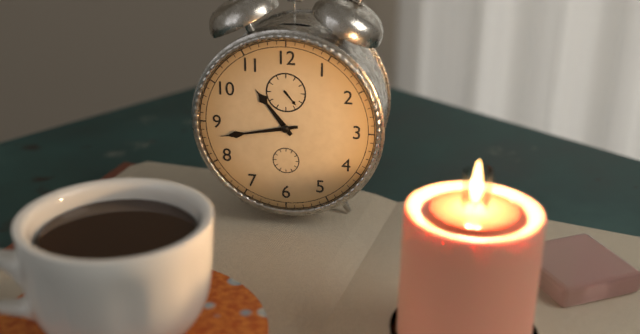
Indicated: **10:43**
